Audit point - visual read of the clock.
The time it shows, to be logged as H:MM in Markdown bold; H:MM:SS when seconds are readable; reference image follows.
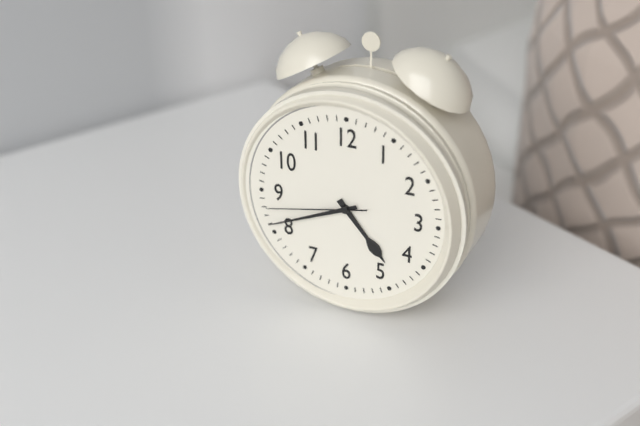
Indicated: **4:41:43**
